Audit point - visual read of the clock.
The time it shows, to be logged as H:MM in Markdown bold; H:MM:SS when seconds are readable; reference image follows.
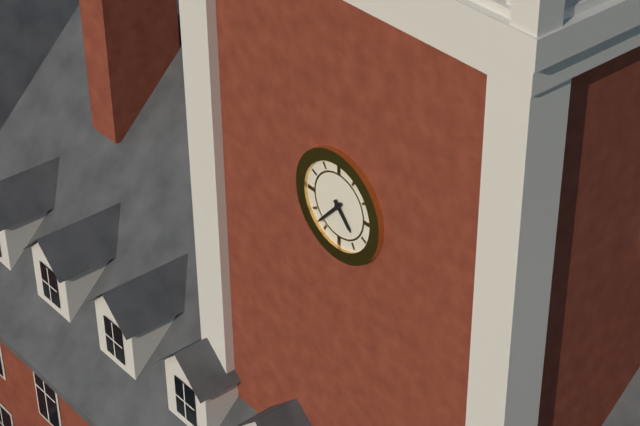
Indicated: **4:37**
